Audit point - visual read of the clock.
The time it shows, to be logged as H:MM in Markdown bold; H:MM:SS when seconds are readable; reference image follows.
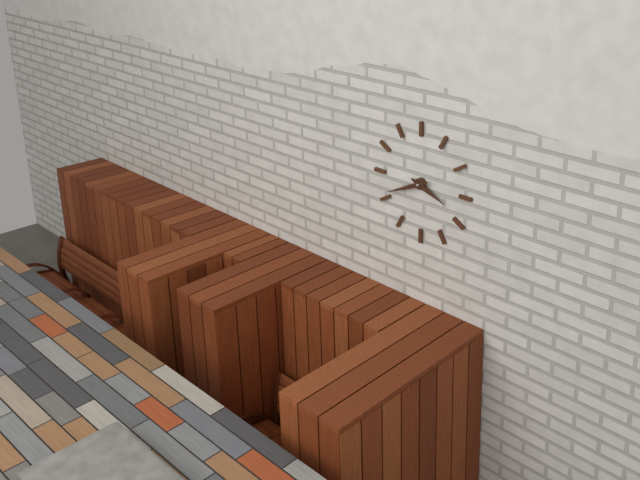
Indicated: **3:41**
